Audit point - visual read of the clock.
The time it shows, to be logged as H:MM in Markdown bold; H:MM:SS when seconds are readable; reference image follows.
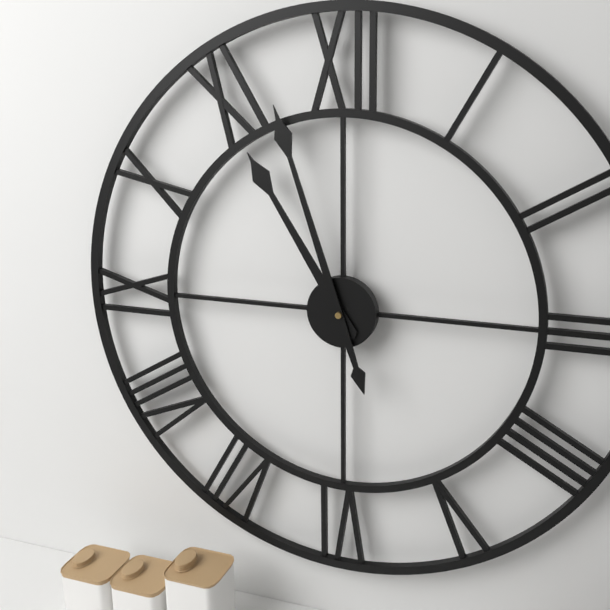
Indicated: **10:57**
